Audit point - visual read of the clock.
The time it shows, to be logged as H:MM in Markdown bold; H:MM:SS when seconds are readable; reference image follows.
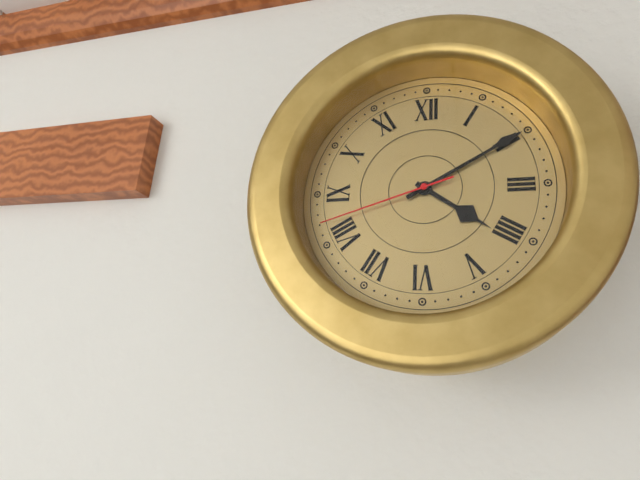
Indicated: **4:10:42**
